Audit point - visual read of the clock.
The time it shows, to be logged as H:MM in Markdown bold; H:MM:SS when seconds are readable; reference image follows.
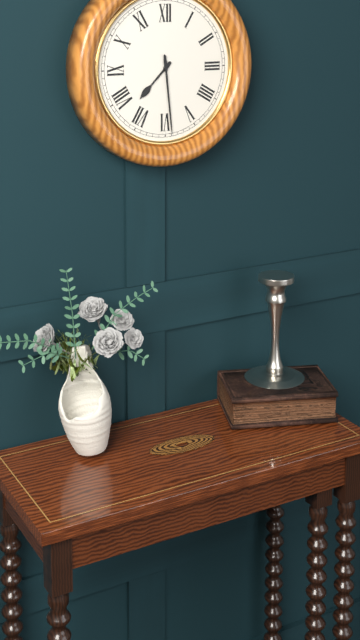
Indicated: **7:29**
